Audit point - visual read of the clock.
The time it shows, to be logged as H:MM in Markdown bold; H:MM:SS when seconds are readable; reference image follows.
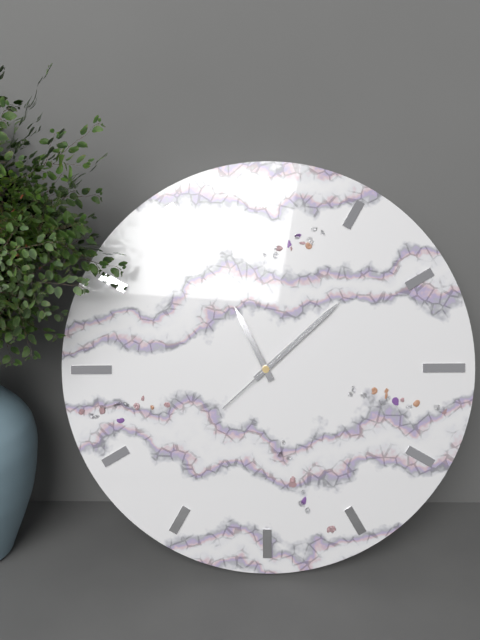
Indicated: **11:08:38**
